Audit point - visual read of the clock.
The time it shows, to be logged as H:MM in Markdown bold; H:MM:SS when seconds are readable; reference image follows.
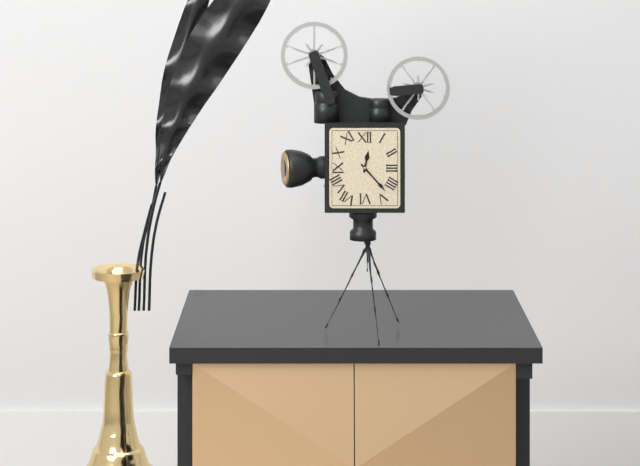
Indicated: **12:23**
